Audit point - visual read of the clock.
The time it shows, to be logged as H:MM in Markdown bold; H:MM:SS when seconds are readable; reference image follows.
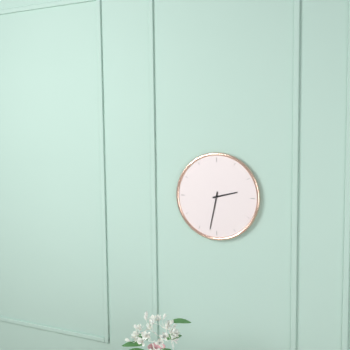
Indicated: **2:32**
